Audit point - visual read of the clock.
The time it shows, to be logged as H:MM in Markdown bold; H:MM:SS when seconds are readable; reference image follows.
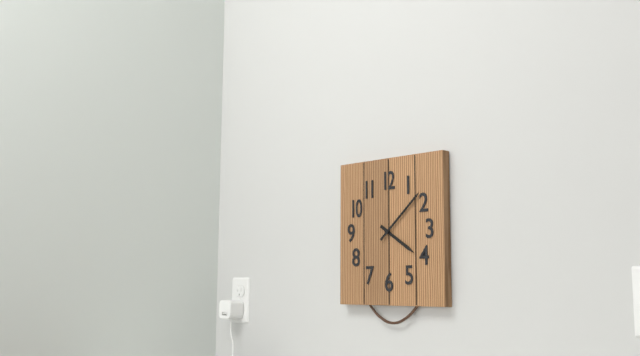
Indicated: **4:08**
